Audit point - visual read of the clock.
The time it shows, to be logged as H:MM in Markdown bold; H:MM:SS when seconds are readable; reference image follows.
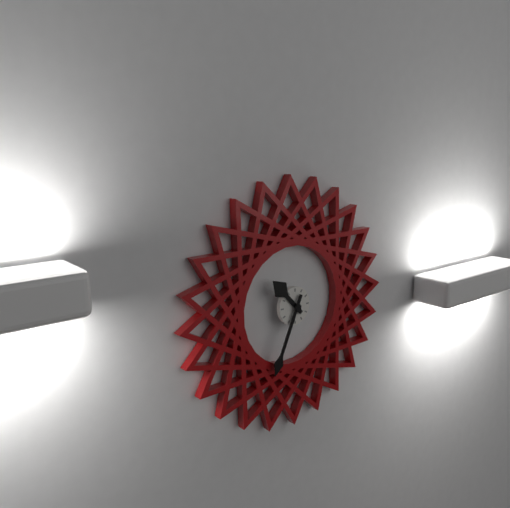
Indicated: **10:34**
